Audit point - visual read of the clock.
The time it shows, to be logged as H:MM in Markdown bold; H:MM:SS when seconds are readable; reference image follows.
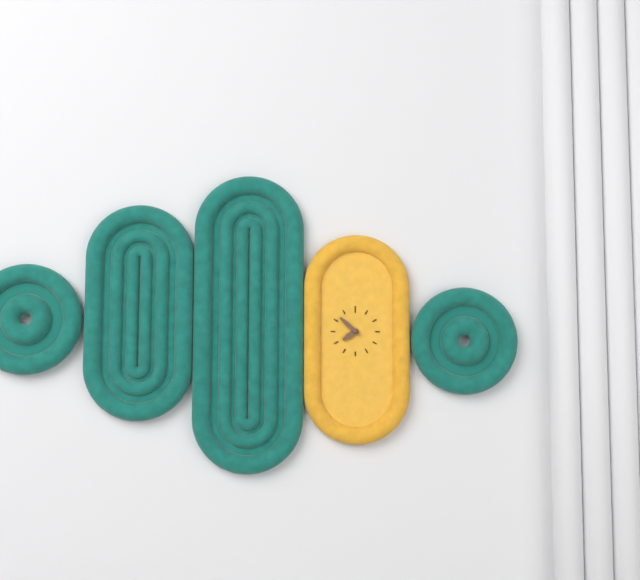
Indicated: **7:52**
